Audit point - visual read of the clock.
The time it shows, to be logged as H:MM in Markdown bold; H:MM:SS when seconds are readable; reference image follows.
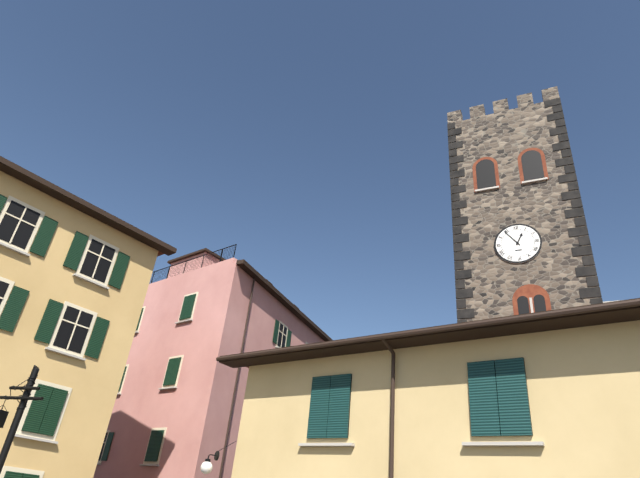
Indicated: **12:54**
